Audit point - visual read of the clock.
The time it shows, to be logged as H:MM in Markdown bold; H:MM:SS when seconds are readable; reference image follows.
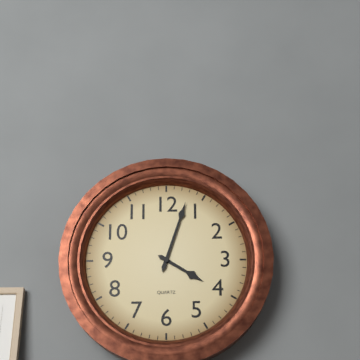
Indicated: **4:03**
